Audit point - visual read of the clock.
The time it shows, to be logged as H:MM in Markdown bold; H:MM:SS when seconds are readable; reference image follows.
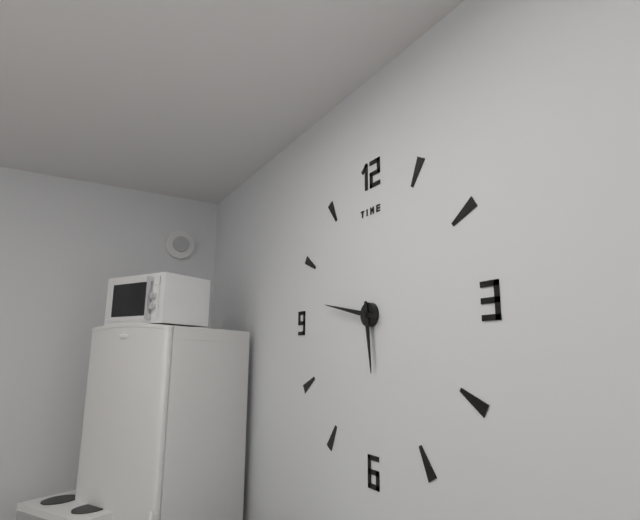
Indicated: **5:47**
